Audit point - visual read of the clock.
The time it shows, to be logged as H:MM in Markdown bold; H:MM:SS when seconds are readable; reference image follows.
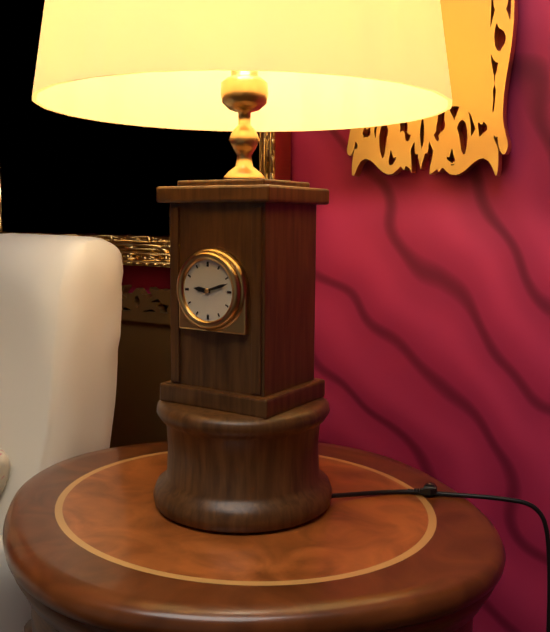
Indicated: **9:12**
